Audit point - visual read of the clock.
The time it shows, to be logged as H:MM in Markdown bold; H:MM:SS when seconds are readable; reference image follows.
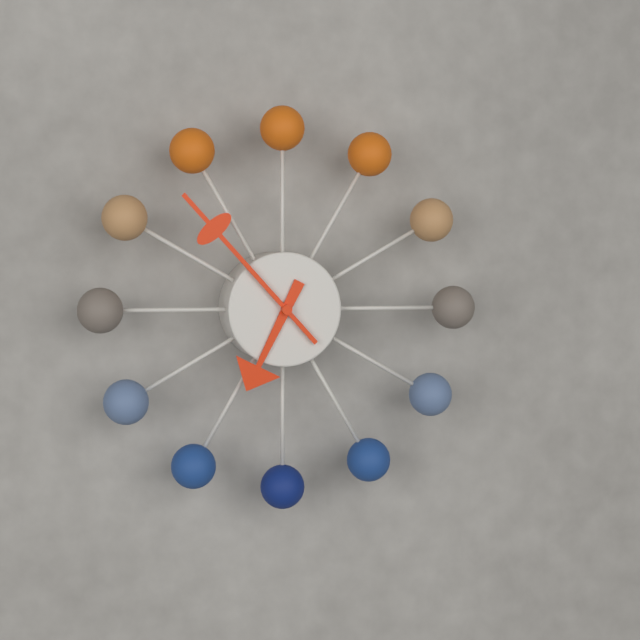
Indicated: **6:53**
